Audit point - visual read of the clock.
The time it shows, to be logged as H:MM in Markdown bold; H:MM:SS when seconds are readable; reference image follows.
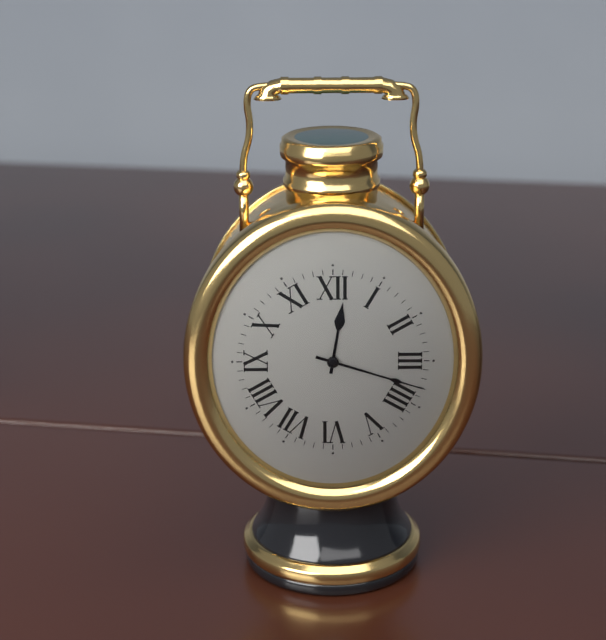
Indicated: **12:18**
